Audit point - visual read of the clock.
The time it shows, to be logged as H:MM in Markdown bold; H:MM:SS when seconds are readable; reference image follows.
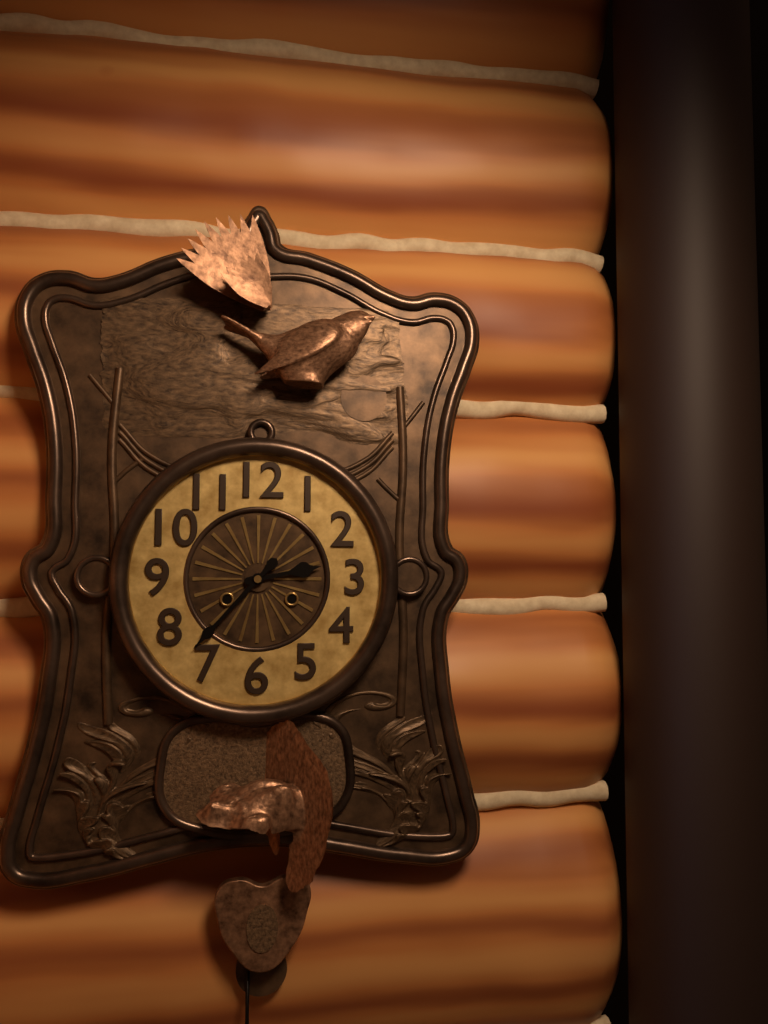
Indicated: **2:37**
